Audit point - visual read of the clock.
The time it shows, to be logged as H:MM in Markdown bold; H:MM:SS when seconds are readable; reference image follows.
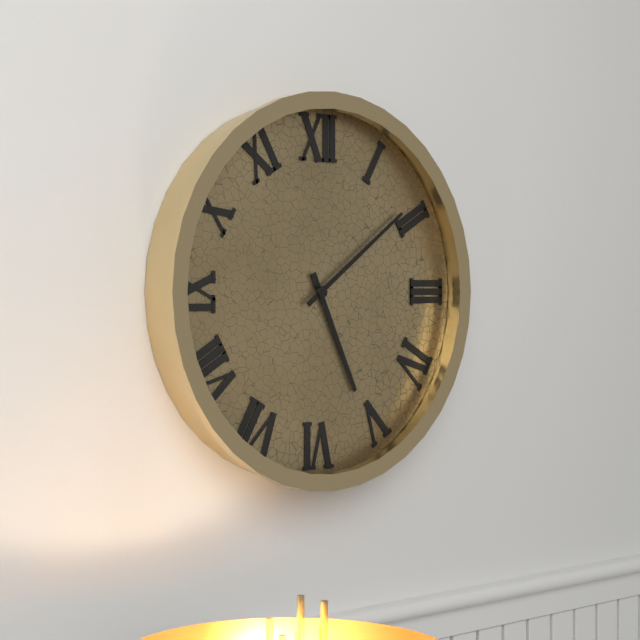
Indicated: **5:09**
